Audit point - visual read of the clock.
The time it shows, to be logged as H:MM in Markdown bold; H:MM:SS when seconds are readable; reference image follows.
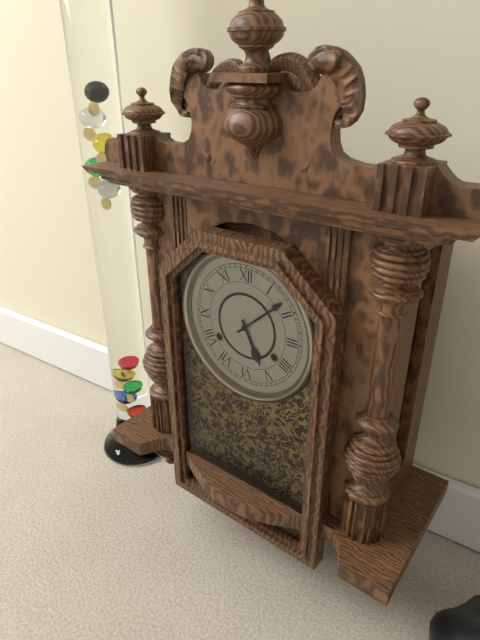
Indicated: **5:08**
